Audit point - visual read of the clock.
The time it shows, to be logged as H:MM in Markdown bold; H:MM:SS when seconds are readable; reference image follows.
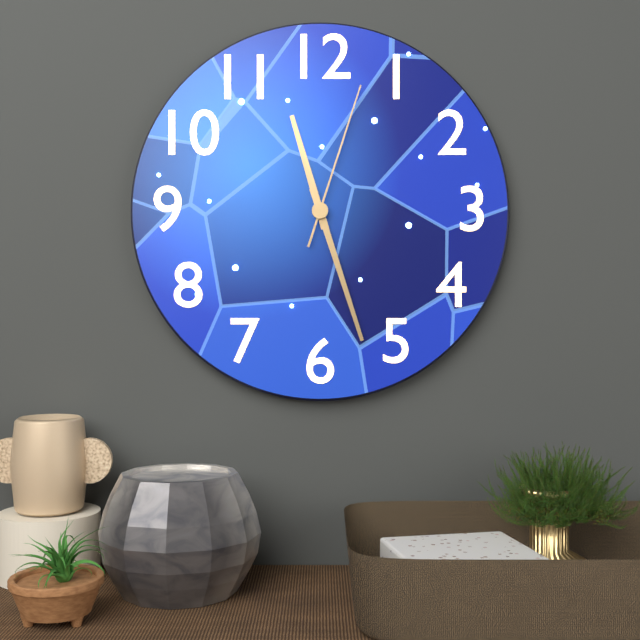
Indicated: **11:27:03**
